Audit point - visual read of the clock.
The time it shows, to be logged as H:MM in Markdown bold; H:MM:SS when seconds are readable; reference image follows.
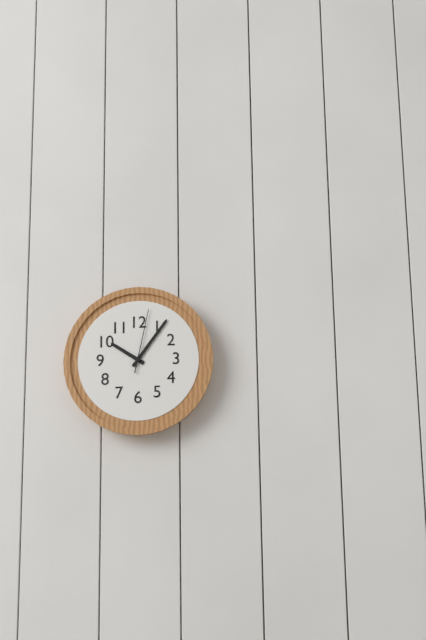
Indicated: **10:06:02**
